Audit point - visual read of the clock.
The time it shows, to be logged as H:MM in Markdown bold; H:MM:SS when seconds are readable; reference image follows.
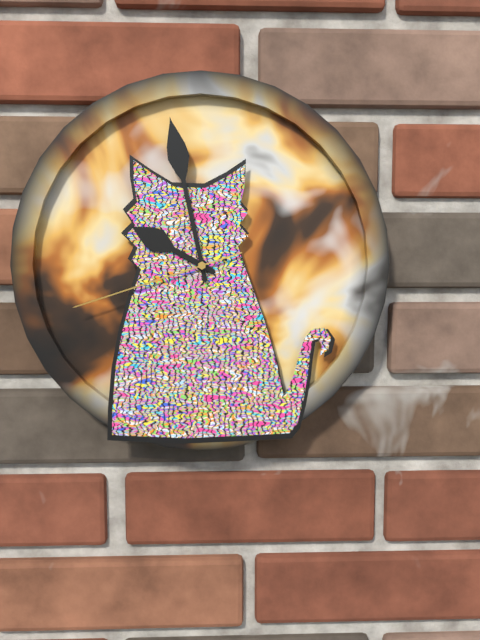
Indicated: **9:58:42**
